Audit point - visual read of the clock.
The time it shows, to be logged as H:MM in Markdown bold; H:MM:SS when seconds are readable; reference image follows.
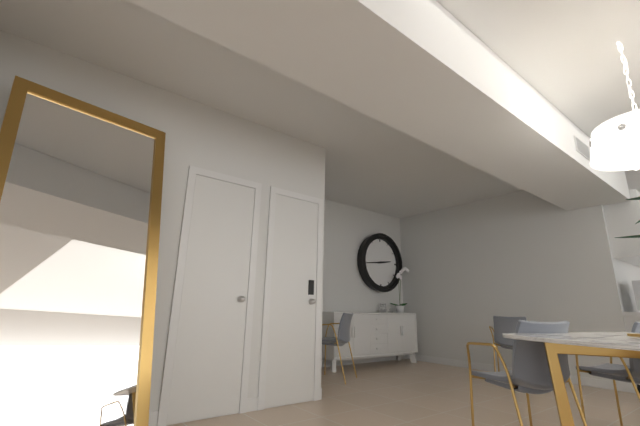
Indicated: **2:44**
